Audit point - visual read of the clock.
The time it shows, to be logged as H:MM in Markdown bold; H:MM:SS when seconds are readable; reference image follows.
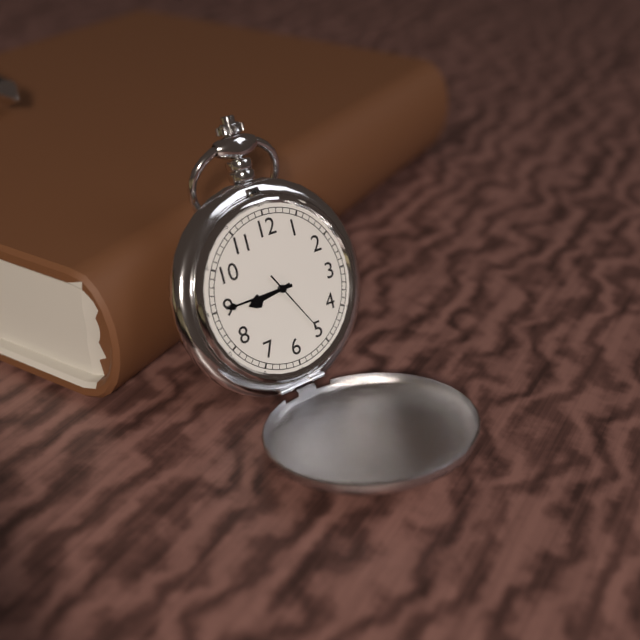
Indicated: **8:45:25**
